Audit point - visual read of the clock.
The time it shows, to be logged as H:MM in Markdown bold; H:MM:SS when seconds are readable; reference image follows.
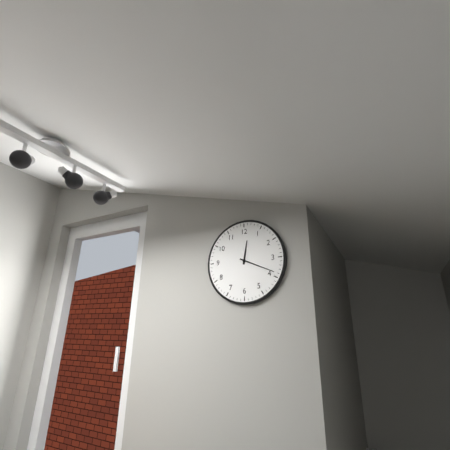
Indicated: **12:19**
